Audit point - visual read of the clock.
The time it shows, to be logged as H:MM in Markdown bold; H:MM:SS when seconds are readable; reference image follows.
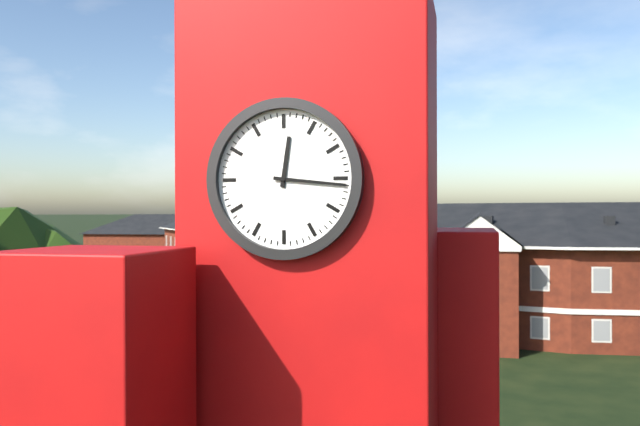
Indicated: **12:16**
